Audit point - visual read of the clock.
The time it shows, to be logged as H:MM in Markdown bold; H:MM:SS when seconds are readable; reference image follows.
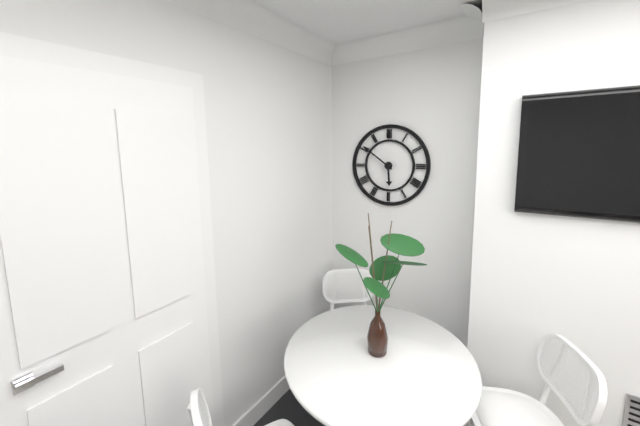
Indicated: **5:51**
